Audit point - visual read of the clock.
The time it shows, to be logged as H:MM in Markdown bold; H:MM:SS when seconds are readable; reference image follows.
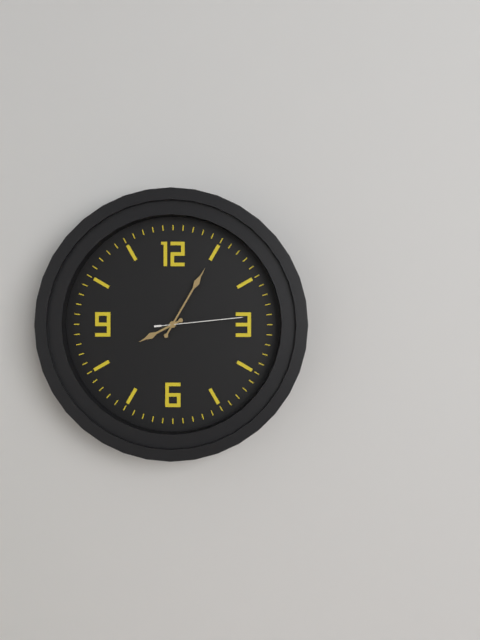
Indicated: **8:05:14**
